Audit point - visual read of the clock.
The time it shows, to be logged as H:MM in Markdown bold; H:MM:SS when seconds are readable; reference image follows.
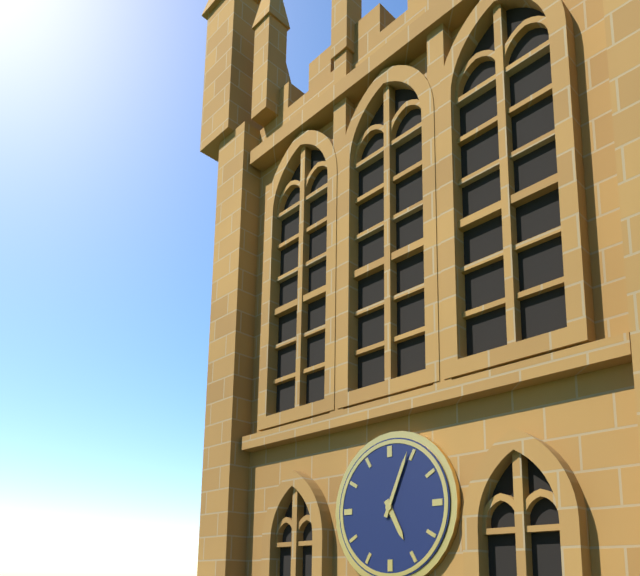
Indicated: **5:04**
